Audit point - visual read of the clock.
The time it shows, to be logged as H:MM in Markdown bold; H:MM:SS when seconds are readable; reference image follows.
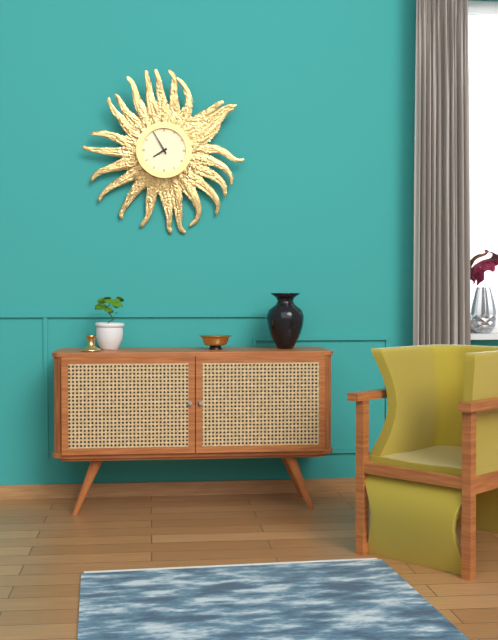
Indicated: **7:55**
